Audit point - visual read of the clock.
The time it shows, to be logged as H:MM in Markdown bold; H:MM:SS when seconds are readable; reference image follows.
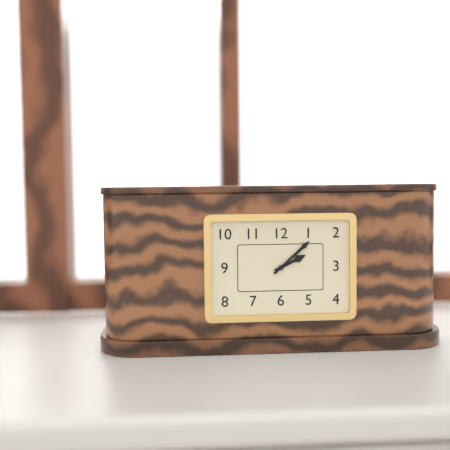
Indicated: **2:08**
